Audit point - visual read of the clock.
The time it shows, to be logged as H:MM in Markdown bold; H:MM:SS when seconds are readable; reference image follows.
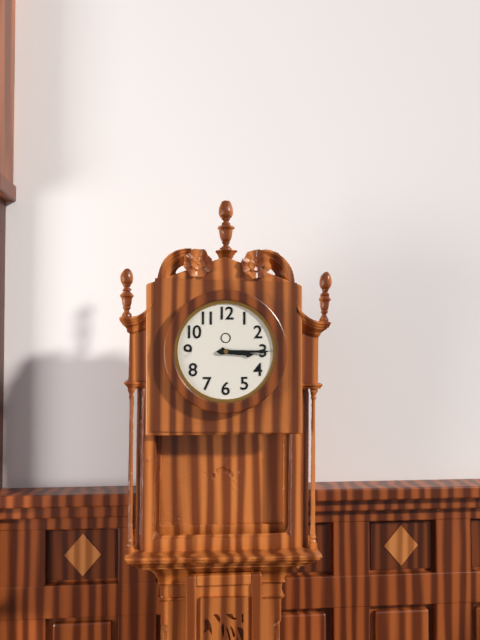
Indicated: **3:15**
